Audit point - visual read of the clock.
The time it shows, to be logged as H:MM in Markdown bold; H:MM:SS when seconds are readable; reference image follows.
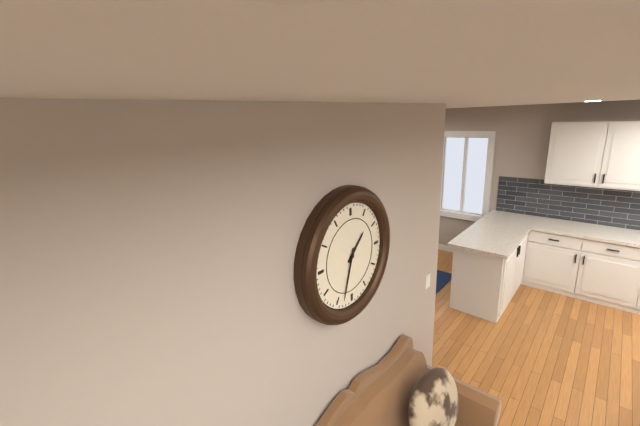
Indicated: **1:33**
